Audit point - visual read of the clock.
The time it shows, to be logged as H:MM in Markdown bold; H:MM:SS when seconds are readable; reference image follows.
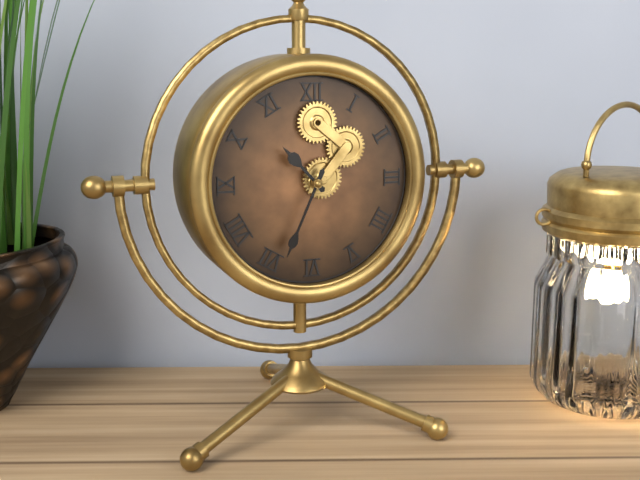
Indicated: **10:34**
